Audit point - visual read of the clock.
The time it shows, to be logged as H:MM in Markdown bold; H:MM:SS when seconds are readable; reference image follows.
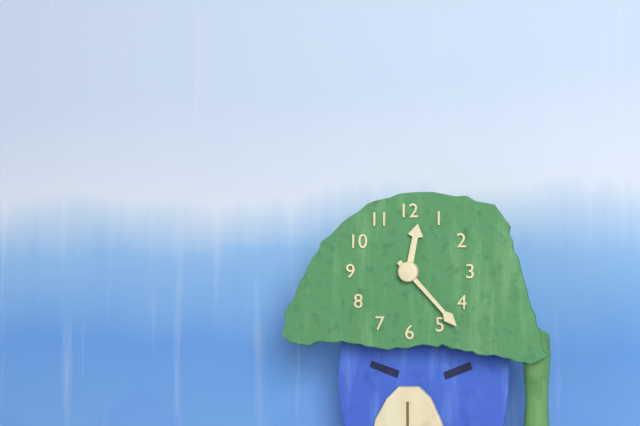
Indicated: **12:23**
